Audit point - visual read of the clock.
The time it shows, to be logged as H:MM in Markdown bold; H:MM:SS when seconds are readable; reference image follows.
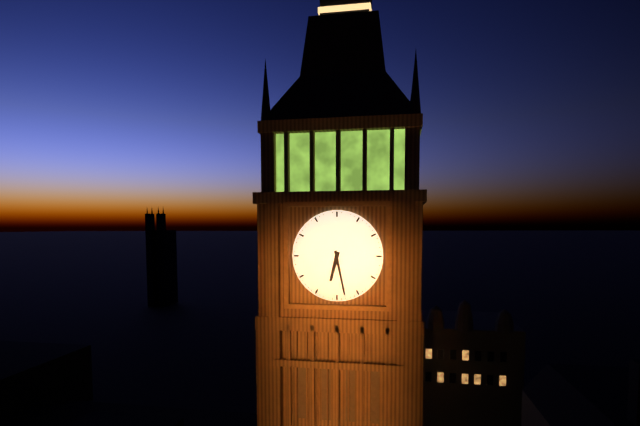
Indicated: **6:28**
